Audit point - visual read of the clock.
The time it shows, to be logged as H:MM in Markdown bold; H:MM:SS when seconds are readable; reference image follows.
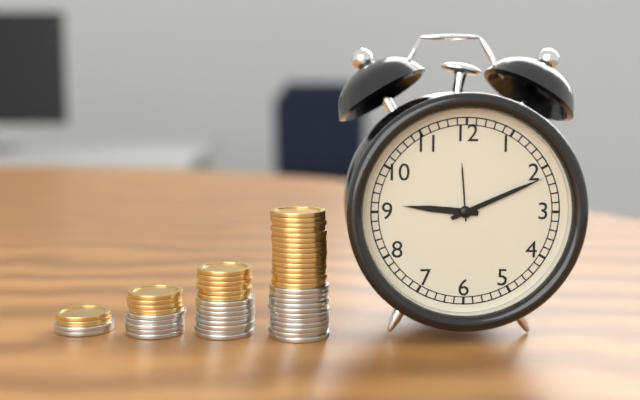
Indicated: **9:11**
